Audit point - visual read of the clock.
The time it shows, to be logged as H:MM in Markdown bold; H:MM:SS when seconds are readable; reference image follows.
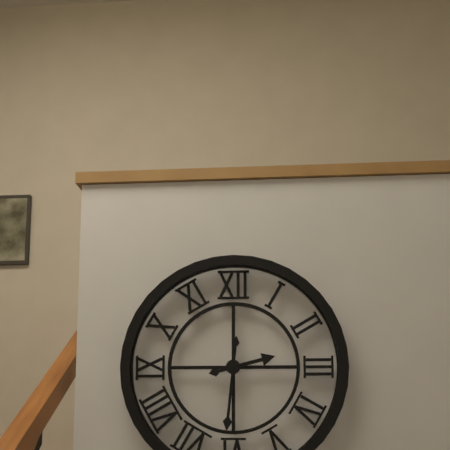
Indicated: **2:31**
